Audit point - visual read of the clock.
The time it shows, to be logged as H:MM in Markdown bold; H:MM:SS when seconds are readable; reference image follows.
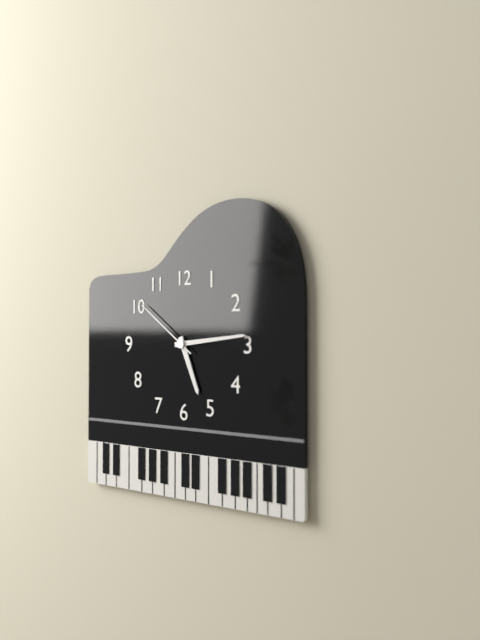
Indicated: **5:14:51**
